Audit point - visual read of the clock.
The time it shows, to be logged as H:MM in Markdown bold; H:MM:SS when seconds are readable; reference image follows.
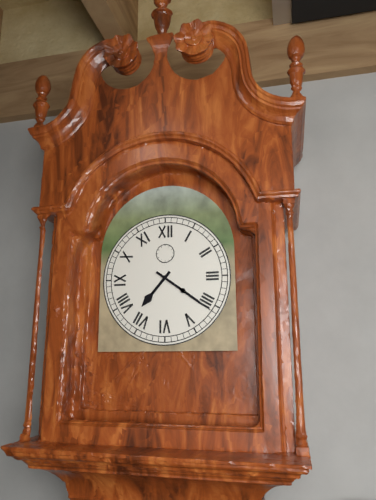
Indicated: **7:21**
